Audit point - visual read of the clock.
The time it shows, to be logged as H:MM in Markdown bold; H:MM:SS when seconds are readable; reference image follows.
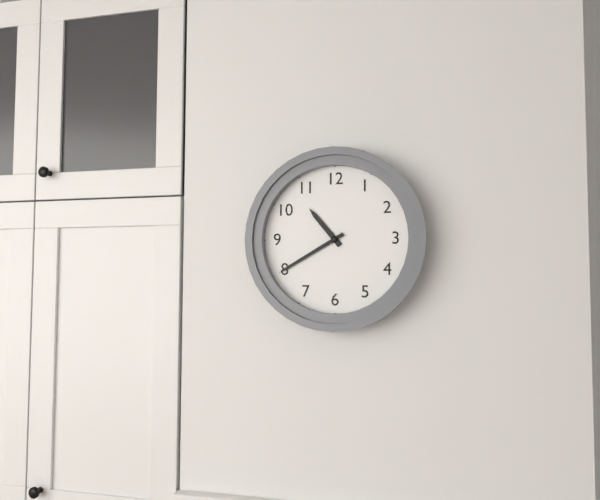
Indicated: **10:40**
